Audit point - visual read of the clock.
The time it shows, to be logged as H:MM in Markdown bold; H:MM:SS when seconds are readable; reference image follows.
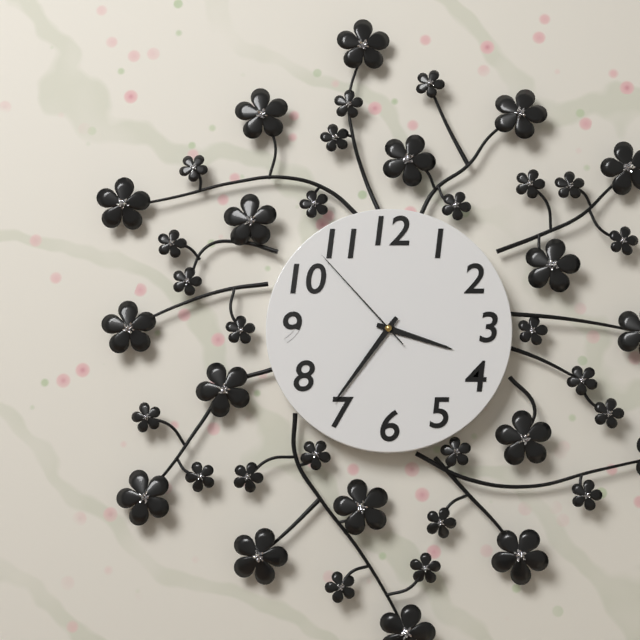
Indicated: **3:36:53**
